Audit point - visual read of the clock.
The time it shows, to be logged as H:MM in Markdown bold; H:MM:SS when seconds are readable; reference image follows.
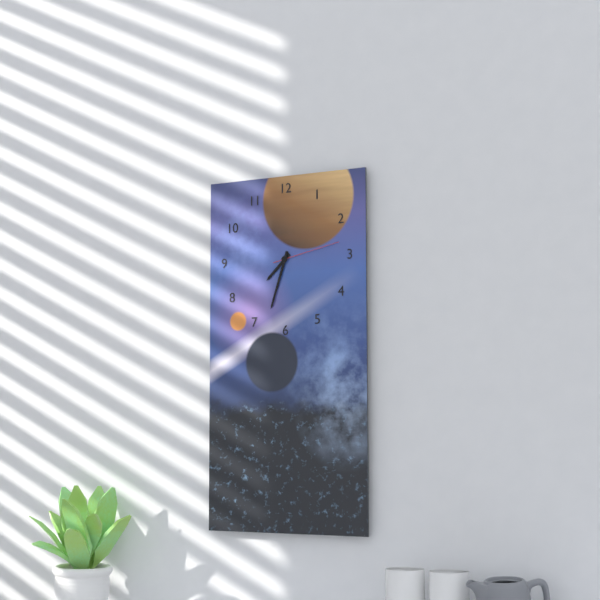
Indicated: **7:33:13**
